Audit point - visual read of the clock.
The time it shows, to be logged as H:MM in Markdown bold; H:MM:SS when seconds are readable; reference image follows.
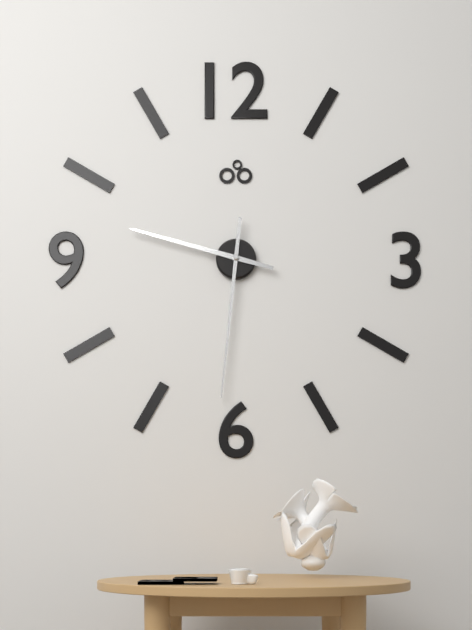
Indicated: **9:31**
